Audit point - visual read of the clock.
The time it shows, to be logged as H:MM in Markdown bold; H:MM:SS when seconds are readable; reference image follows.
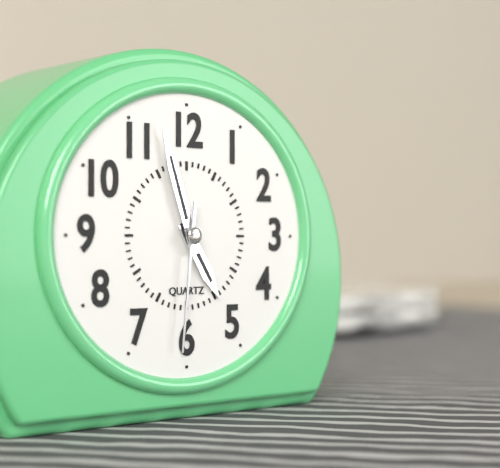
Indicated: **4:57:31**
